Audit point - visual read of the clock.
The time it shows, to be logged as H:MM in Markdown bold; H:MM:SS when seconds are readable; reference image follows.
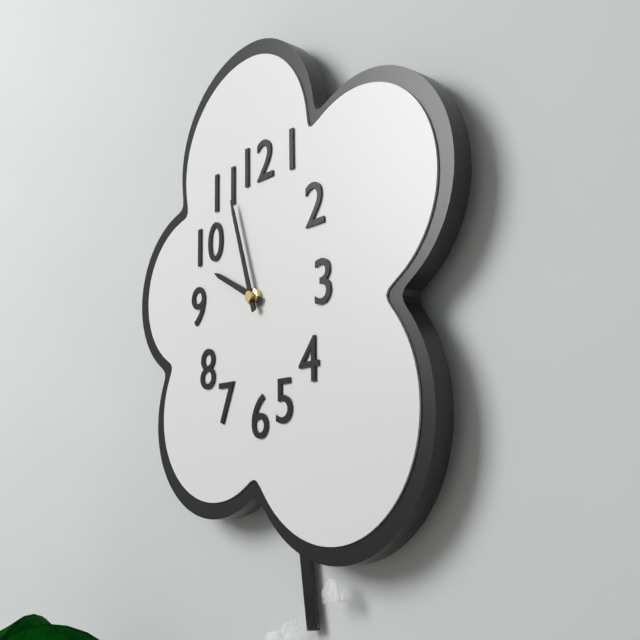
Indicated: **9:57**
